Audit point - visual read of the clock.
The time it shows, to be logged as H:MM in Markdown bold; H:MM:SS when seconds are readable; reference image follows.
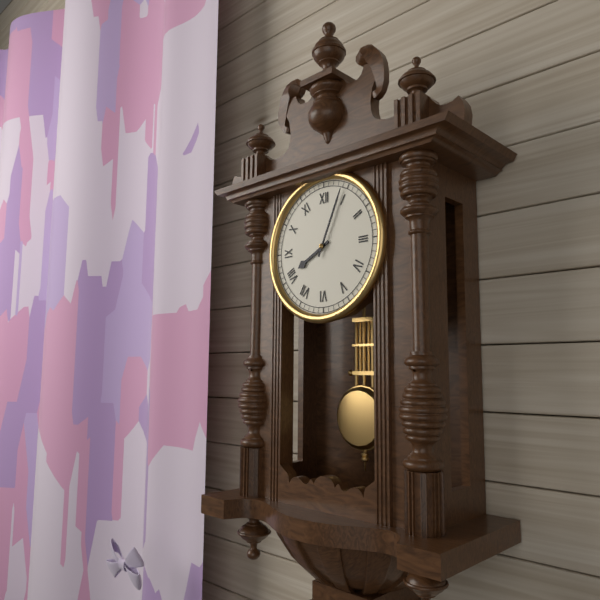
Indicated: **8:04**
